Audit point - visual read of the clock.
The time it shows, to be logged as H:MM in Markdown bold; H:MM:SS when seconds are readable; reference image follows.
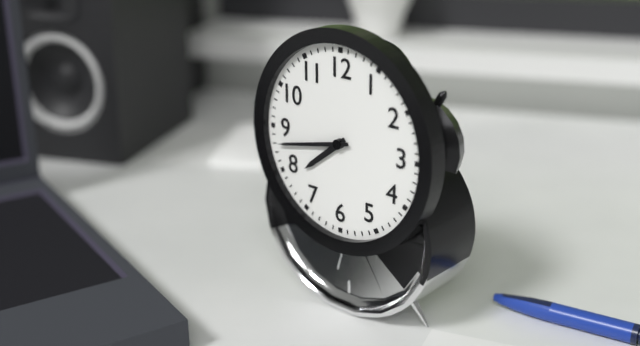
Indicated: **7:43**
